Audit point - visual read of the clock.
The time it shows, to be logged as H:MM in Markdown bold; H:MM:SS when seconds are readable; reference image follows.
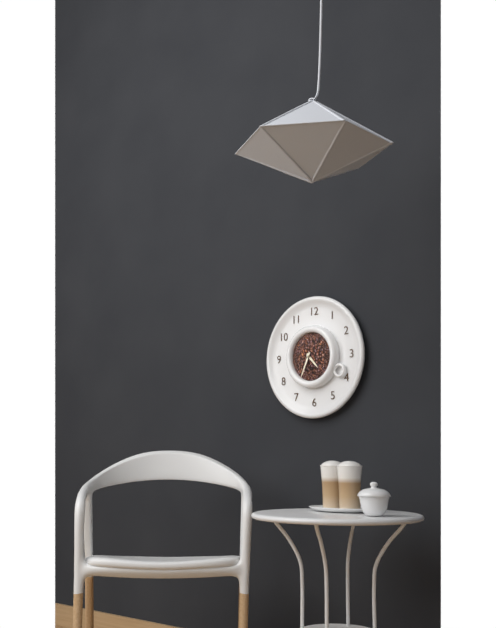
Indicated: **4:34**
